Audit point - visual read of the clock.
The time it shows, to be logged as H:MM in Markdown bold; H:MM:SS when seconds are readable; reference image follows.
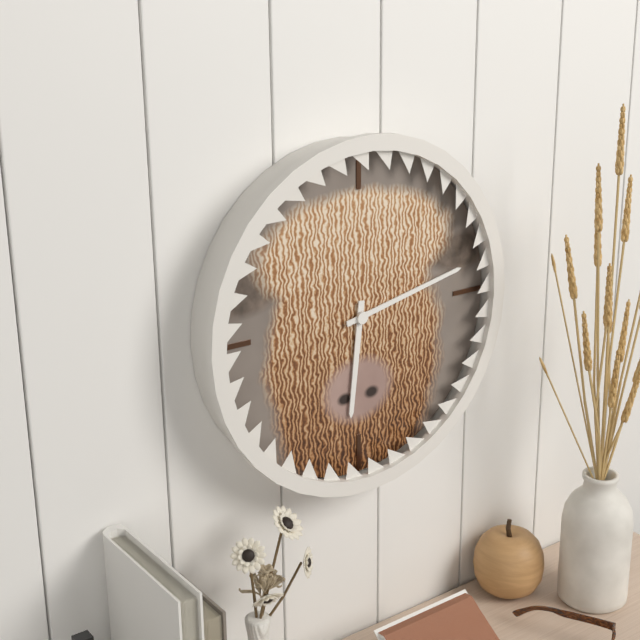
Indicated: **6:13**
